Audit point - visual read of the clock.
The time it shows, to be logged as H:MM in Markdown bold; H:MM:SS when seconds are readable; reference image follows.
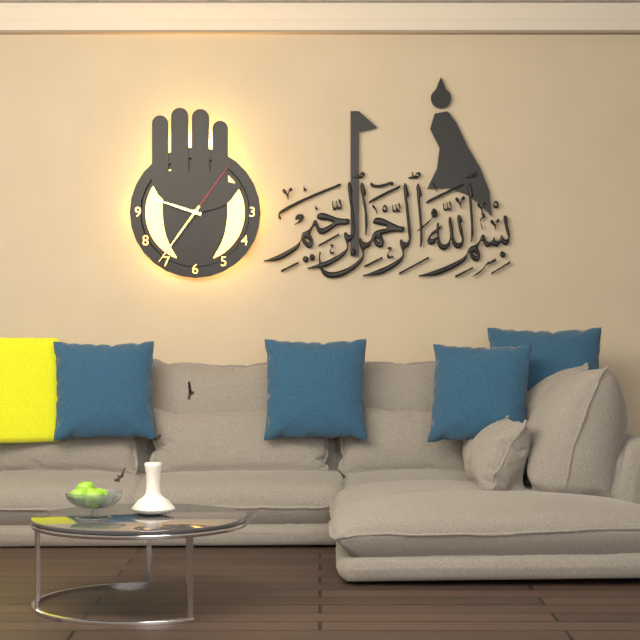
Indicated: **9:36:06**
